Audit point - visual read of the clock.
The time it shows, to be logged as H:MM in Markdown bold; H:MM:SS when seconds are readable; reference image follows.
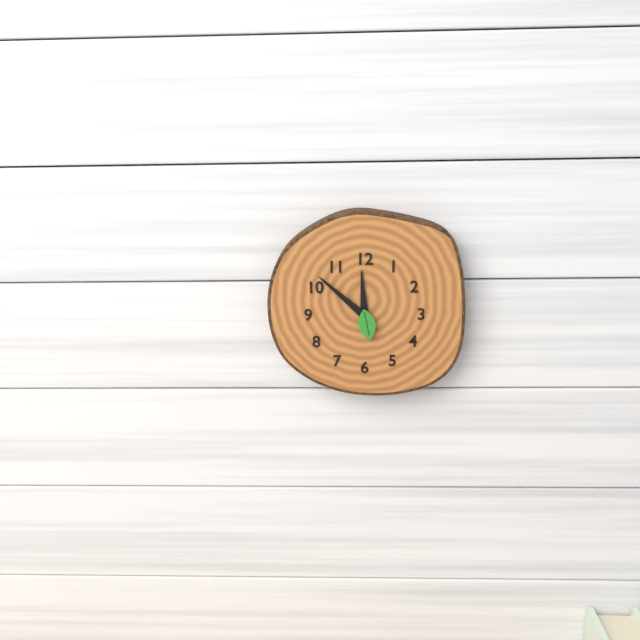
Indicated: **11:52**
